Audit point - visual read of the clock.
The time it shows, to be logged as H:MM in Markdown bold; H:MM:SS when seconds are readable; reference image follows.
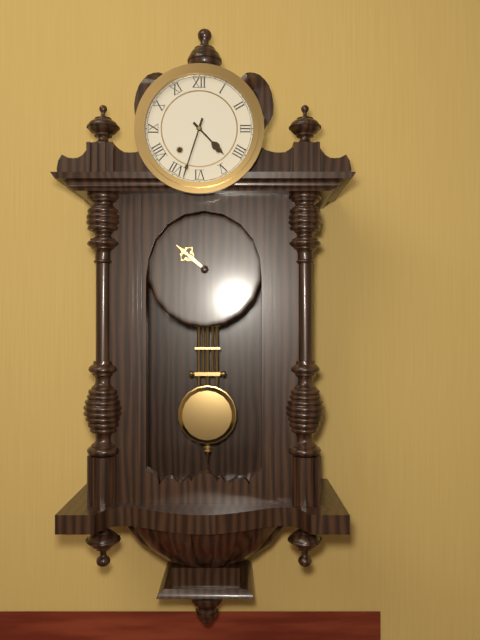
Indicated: **4:33**
